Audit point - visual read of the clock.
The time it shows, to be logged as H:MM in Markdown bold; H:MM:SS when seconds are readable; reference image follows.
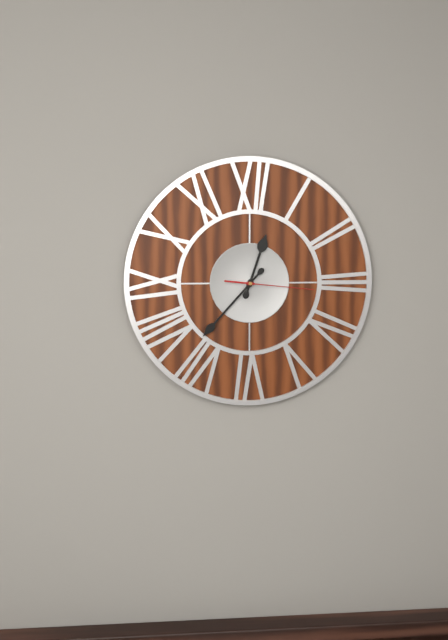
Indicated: **12:37:16**
